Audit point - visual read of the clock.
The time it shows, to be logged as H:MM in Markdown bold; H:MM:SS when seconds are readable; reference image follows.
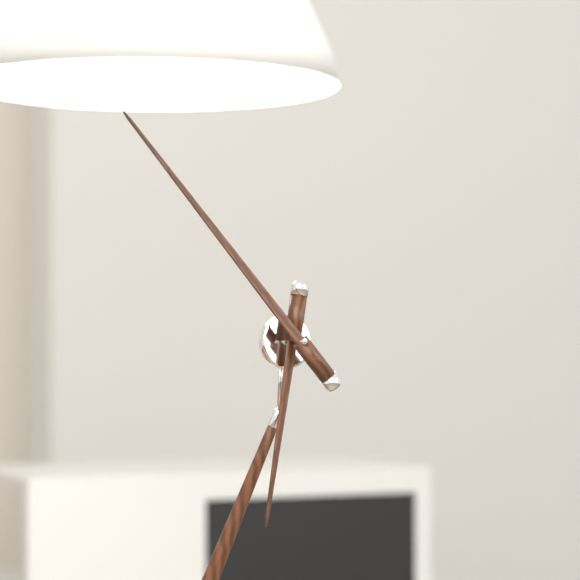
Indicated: **5:51**
